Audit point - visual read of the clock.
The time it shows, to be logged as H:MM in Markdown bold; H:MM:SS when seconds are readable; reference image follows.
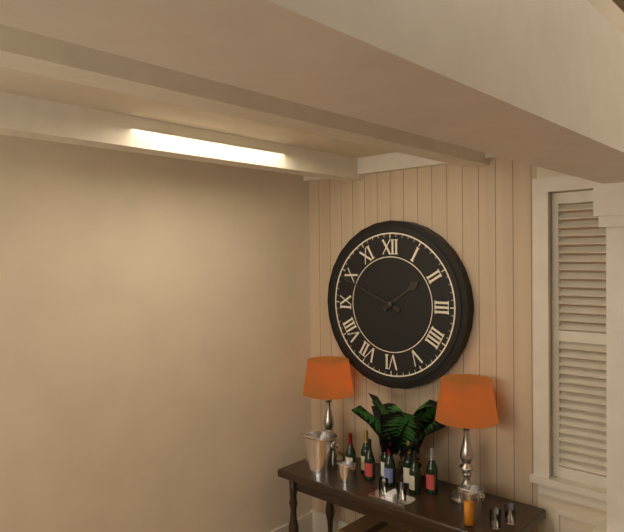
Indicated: **1:49**
